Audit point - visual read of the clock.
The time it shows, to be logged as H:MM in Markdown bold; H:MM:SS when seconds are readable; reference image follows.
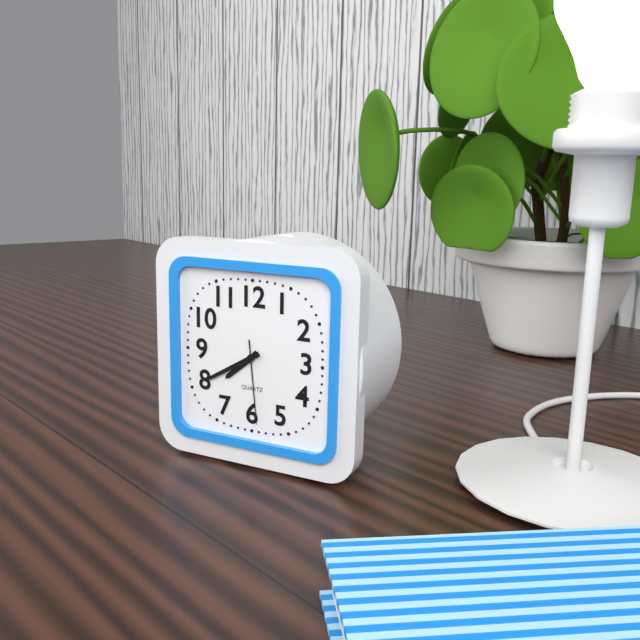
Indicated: **7:40:29**
